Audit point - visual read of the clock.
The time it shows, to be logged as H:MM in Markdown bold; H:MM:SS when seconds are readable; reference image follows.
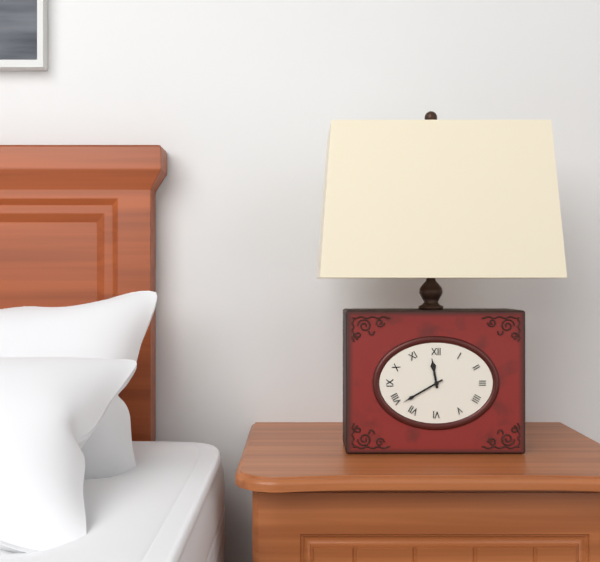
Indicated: **11:40**
